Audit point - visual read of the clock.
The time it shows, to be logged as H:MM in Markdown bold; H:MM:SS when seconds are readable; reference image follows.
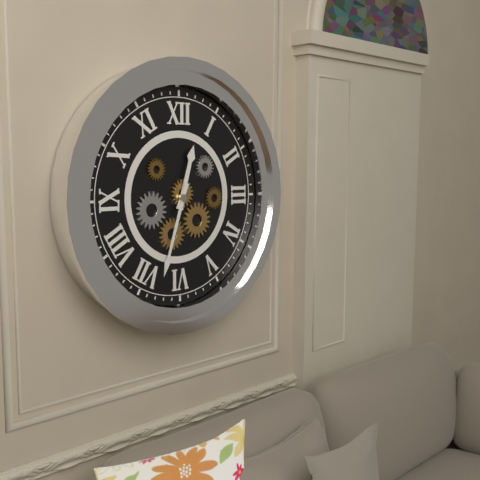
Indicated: **12:33**
